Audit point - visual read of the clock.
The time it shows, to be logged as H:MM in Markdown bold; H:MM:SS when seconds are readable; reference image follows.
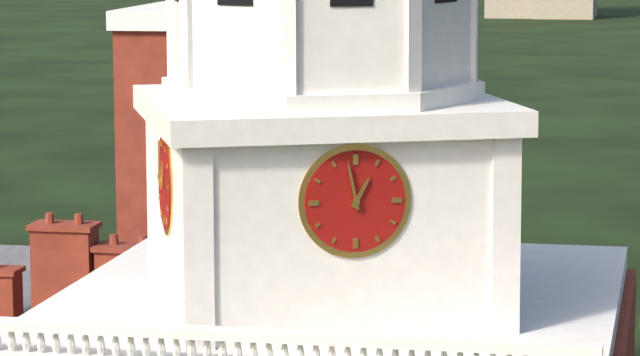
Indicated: **12:58**
